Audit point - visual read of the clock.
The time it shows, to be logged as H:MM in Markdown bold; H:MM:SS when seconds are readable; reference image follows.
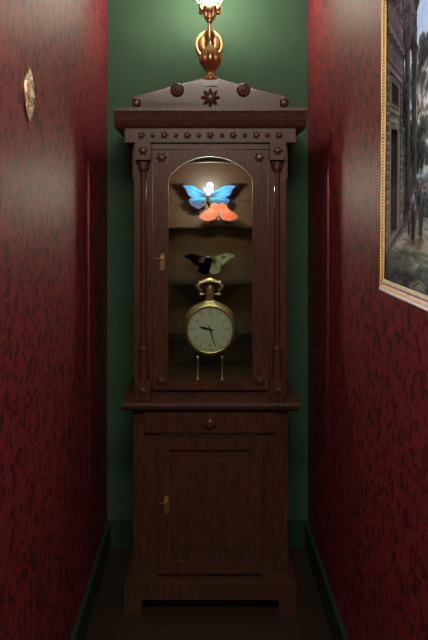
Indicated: **9:27**
